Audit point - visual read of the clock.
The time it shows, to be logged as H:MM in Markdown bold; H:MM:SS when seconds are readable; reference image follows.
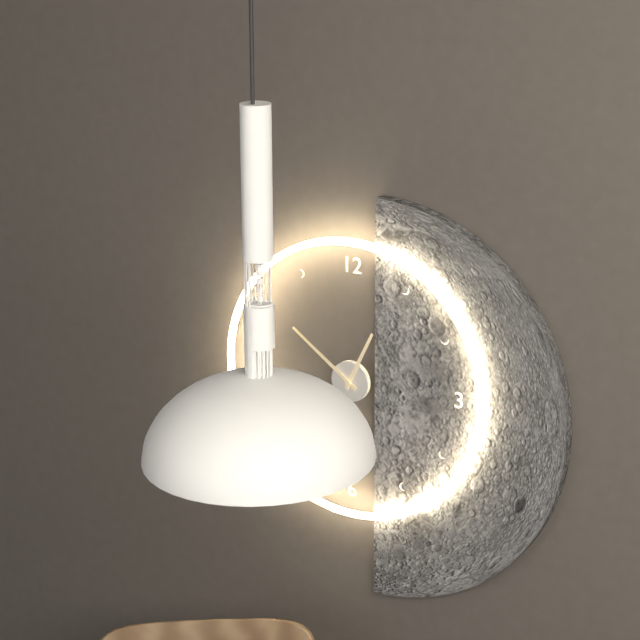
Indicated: **12:51**
